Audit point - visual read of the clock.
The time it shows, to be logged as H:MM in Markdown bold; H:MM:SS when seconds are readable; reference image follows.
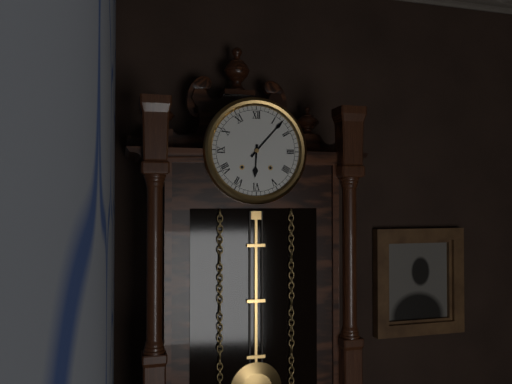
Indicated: **6:07**
